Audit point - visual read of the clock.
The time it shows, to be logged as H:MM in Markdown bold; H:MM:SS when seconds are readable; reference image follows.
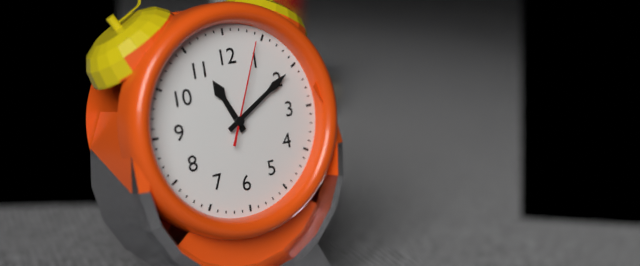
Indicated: **11:10:04**
